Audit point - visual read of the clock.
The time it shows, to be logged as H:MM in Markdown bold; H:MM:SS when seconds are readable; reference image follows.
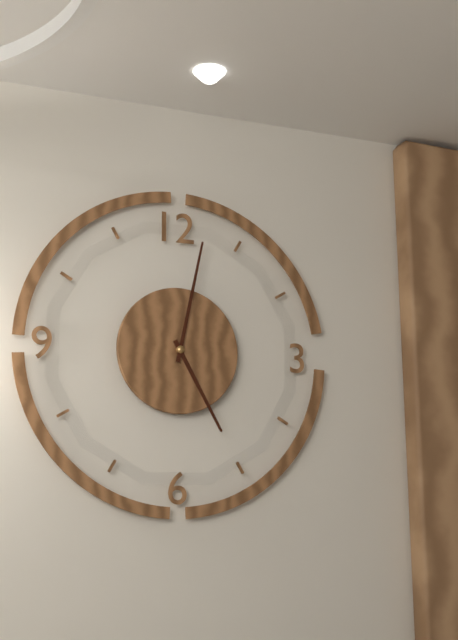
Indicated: **5:02**
